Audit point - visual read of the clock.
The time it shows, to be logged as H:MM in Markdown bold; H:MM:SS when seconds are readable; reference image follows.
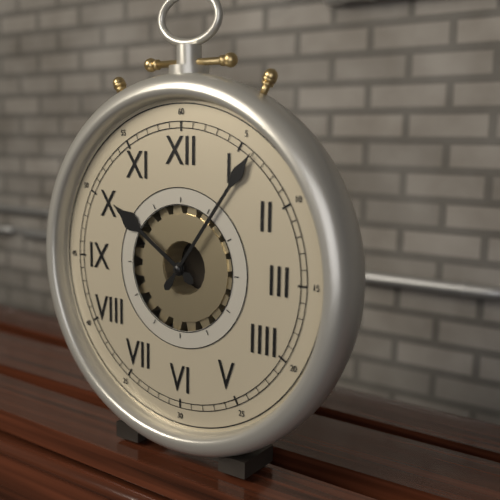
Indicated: **10:06**
